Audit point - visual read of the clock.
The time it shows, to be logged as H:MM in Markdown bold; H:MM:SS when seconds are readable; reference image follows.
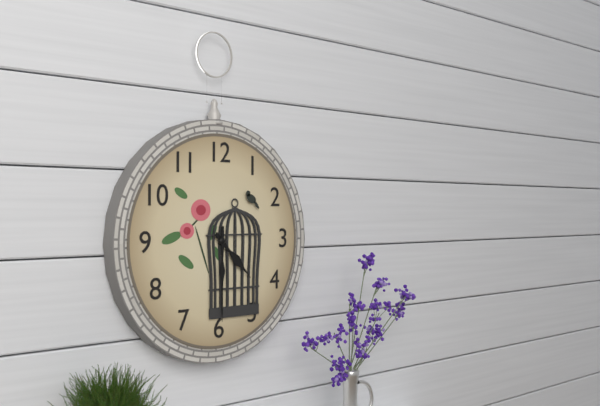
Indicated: **4:30**
